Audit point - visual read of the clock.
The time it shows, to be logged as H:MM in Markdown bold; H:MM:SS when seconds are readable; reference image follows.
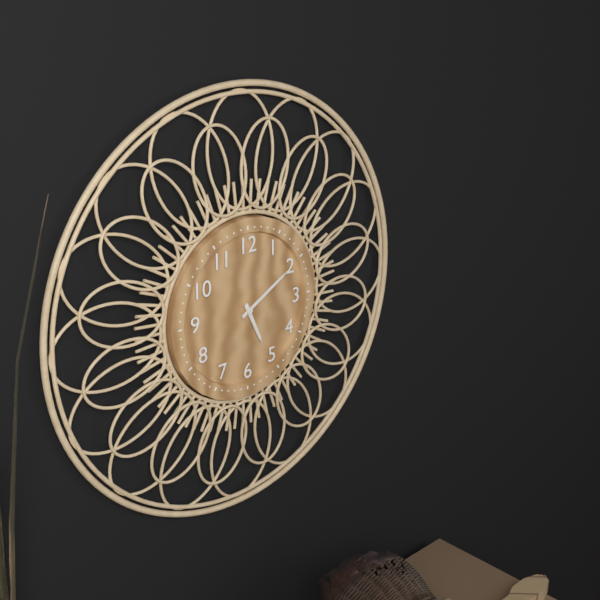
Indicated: **5:10**
